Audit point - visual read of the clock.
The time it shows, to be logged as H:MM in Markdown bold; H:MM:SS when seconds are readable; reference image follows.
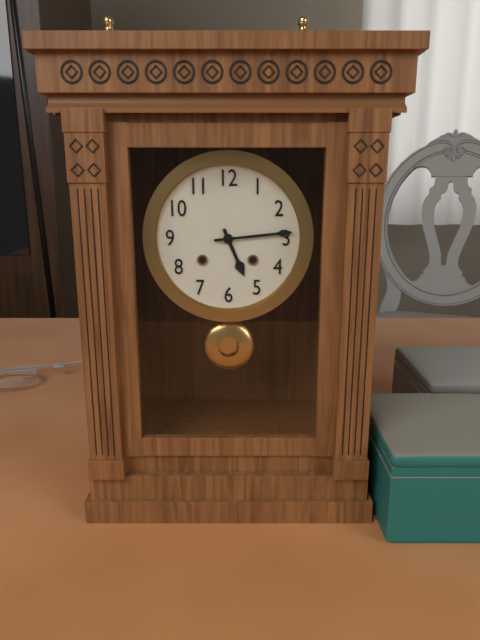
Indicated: **5:14**
